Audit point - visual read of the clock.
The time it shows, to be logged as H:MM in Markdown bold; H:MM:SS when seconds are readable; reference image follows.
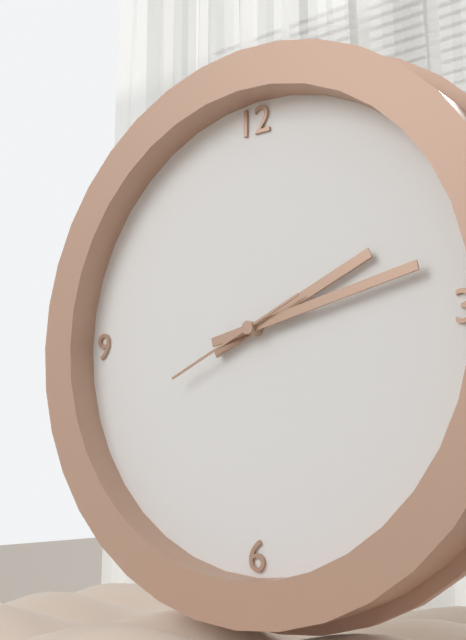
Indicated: **2:13:41**
